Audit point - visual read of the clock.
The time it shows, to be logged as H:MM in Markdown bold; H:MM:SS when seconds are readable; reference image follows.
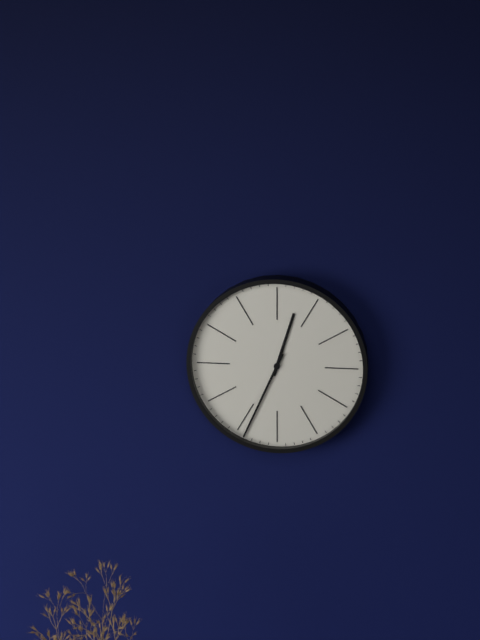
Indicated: **12:34**
